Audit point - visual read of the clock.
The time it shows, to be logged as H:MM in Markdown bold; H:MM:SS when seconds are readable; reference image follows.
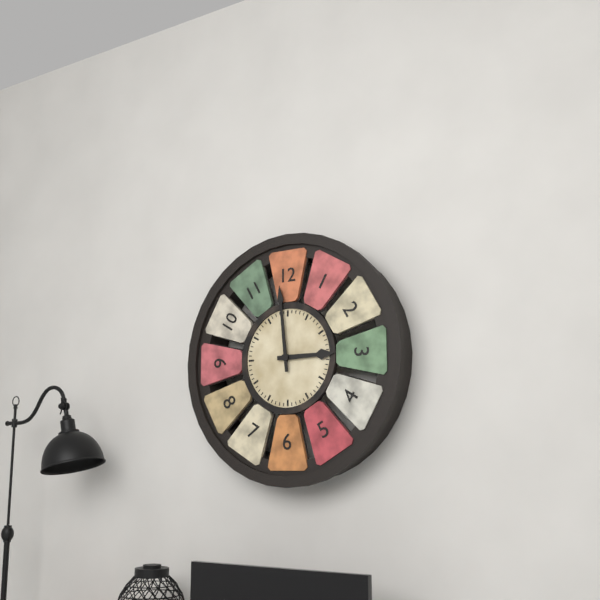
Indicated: **2:59**
